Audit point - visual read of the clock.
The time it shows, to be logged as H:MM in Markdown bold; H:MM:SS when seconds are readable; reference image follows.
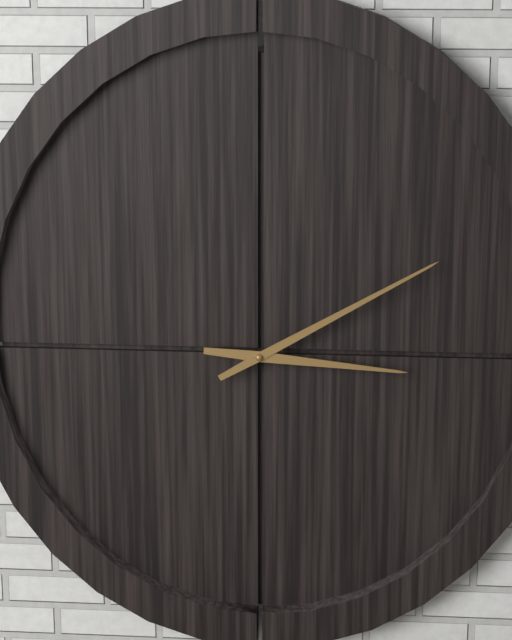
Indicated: **3:10**
